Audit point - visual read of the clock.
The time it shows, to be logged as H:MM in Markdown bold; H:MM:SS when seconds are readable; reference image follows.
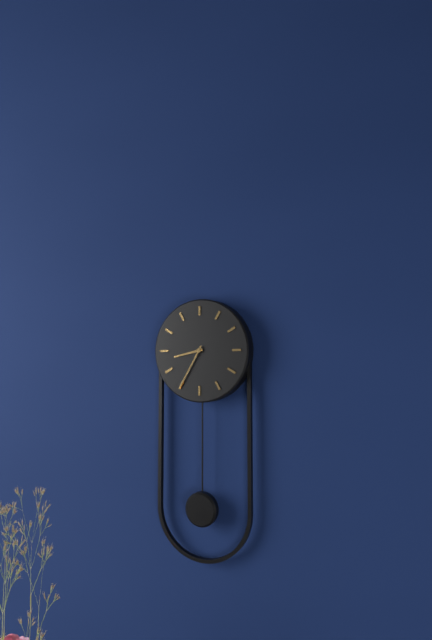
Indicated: **8:35**
